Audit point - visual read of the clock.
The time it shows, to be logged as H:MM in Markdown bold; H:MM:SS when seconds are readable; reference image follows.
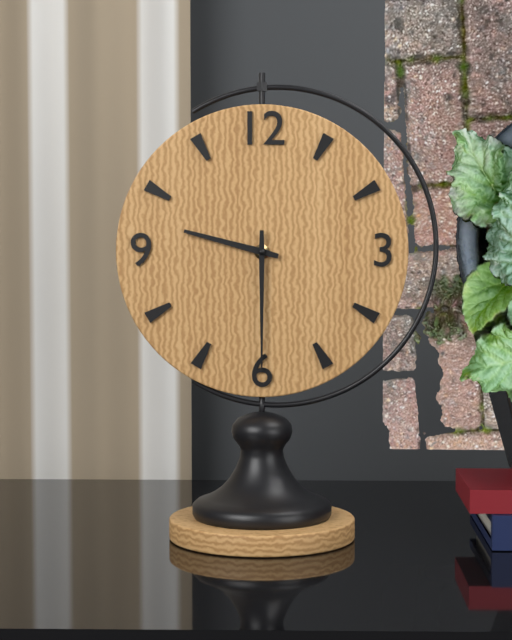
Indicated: **9:30**
